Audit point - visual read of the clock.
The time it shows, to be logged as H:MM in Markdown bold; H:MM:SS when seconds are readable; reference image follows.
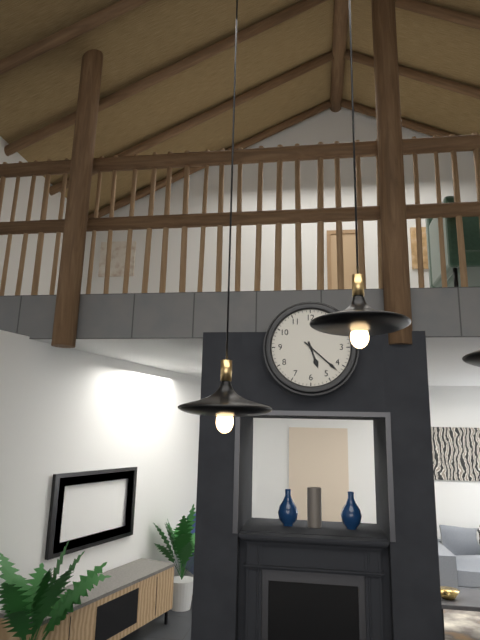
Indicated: **5:22**
